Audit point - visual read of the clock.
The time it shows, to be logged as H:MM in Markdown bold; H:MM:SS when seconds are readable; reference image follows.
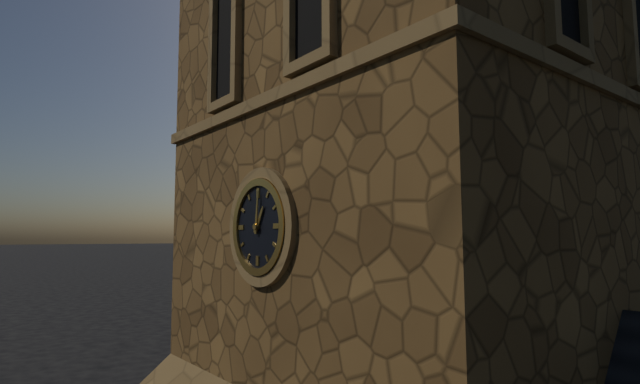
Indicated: **1:01**
